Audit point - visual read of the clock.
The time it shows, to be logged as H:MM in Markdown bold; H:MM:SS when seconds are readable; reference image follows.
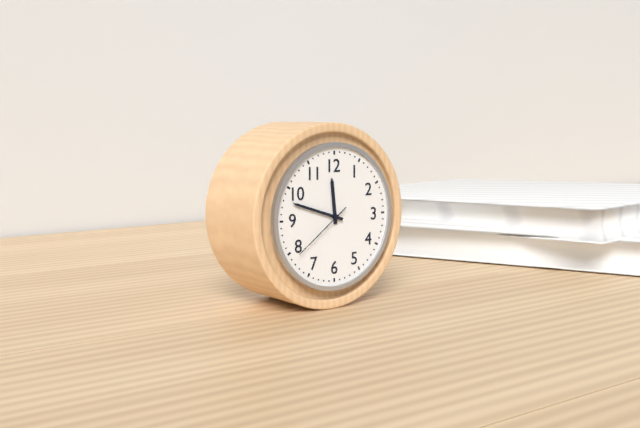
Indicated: **11:48:39**
